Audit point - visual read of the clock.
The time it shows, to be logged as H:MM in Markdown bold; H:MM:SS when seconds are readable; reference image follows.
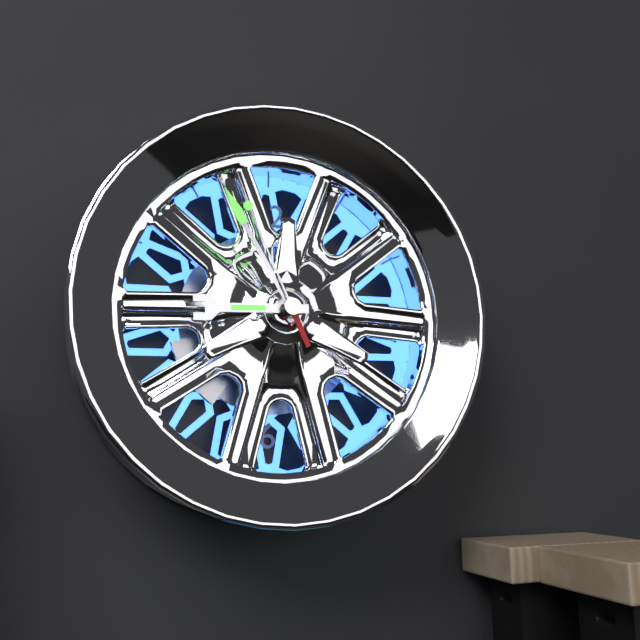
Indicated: **8:55:56**
